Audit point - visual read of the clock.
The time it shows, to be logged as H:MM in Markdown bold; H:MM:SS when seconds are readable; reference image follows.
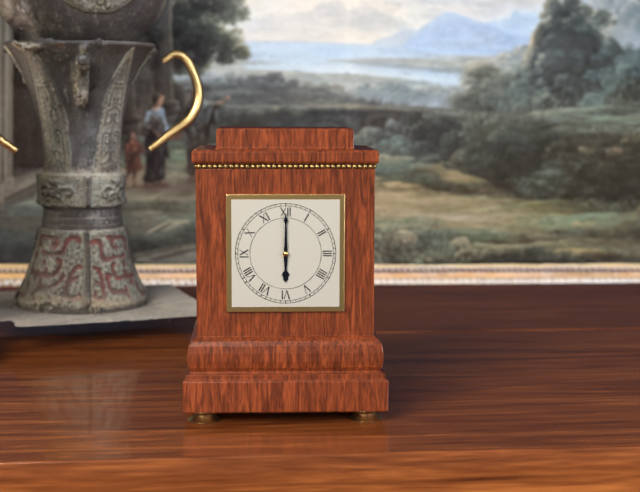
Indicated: **6:00**
